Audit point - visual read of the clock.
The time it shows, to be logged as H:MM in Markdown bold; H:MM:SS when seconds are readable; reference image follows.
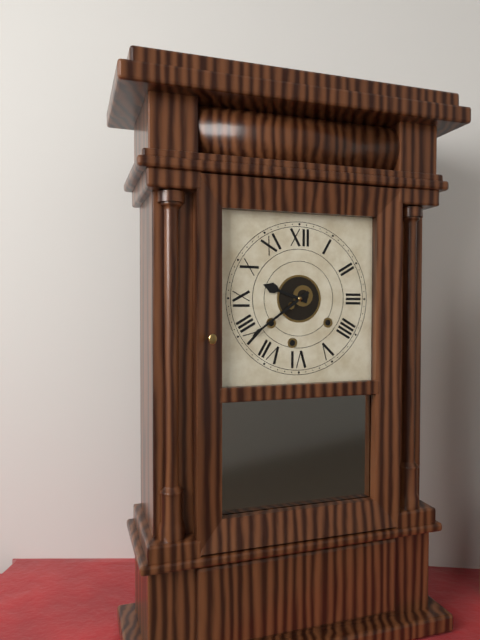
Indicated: **9:39**
